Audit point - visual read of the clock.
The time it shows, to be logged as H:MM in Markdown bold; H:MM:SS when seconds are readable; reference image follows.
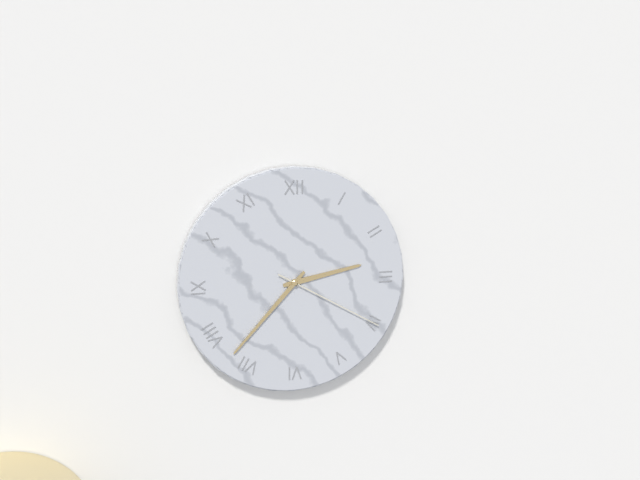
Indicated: **2:37:20**
